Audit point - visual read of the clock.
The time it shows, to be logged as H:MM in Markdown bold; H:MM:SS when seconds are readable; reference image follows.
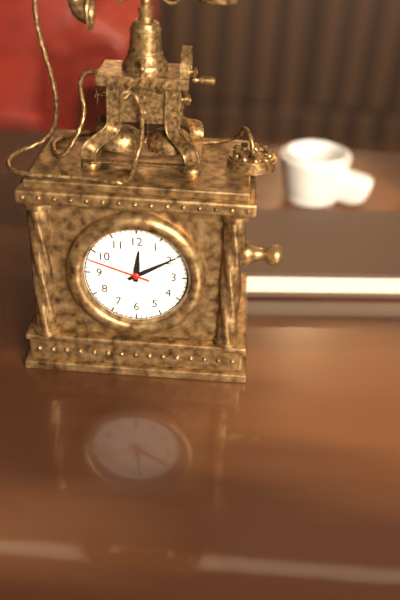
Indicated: **12:10:48**
